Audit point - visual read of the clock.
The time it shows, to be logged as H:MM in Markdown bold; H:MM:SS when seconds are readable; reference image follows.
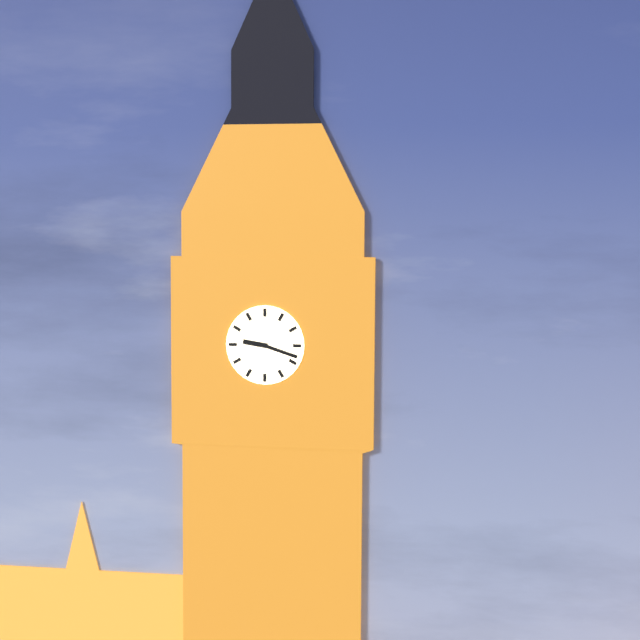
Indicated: **9:18**
